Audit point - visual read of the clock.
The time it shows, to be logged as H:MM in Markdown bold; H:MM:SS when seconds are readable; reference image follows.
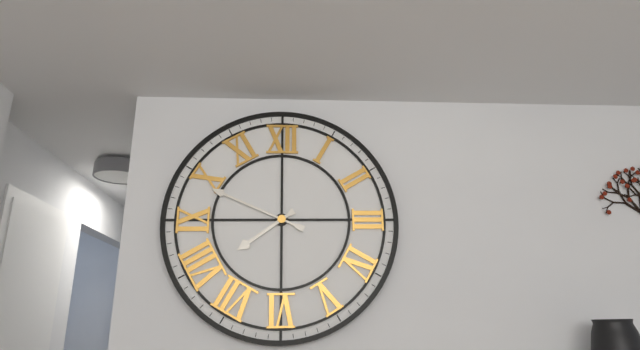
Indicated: **7:49**
